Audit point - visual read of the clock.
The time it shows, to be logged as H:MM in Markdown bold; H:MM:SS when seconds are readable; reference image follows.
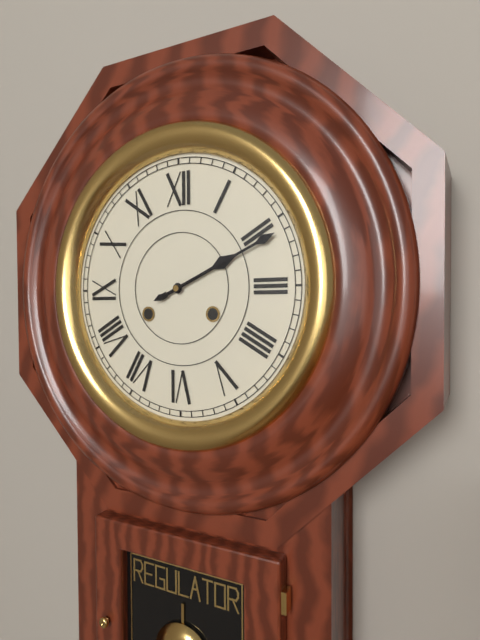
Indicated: **2:11**
